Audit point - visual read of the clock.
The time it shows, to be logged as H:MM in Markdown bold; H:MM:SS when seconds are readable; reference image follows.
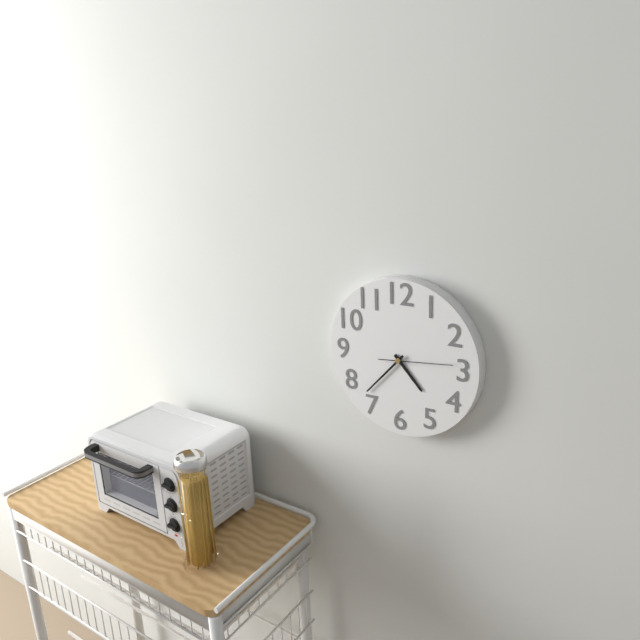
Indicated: **4:37:14**
